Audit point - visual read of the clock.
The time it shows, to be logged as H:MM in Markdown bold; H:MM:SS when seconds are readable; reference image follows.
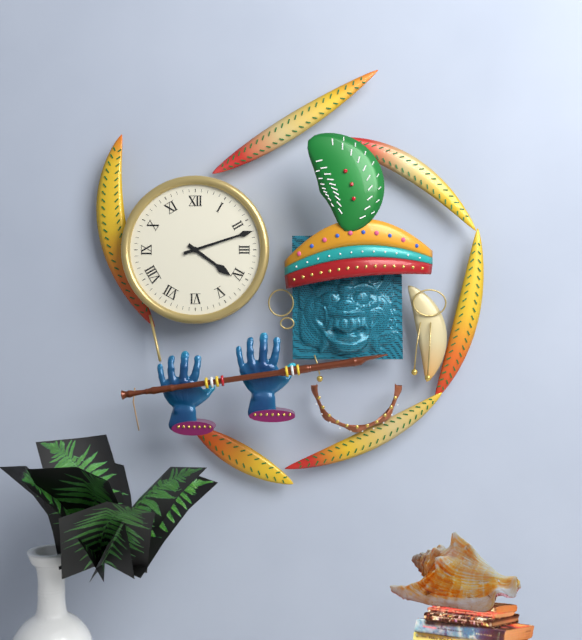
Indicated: **4:12**
